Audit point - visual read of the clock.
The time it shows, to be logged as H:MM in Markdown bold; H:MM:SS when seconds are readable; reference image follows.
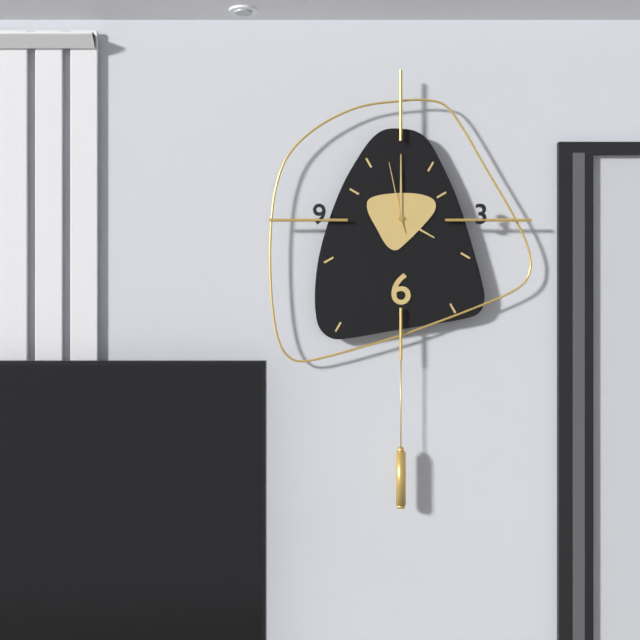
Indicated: **4:00:58**
